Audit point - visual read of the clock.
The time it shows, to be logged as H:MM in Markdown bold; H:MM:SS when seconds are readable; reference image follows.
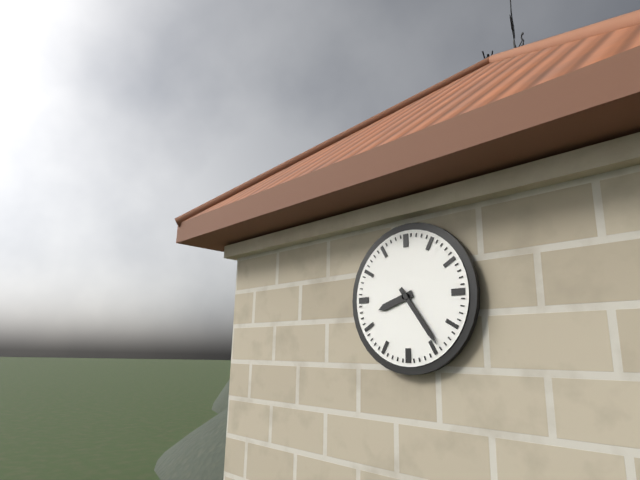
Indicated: **8:24**
